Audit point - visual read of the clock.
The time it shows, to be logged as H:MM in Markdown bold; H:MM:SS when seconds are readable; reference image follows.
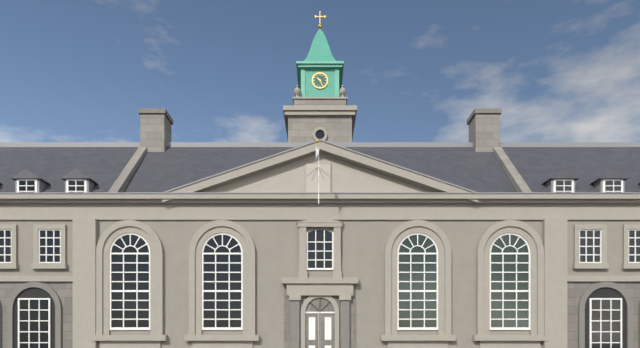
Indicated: **10:26**
